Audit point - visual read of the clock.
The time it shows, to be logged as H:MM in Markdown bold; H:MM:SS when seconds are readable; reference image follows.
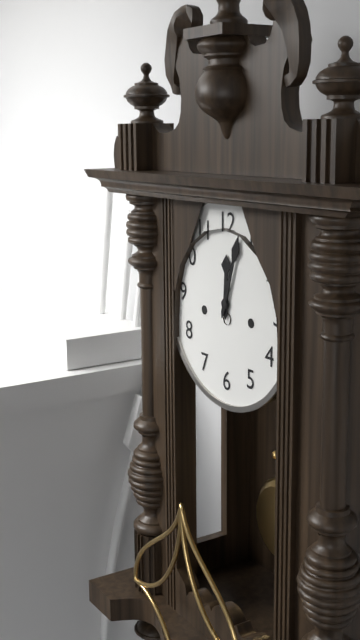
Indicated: **12:03**
